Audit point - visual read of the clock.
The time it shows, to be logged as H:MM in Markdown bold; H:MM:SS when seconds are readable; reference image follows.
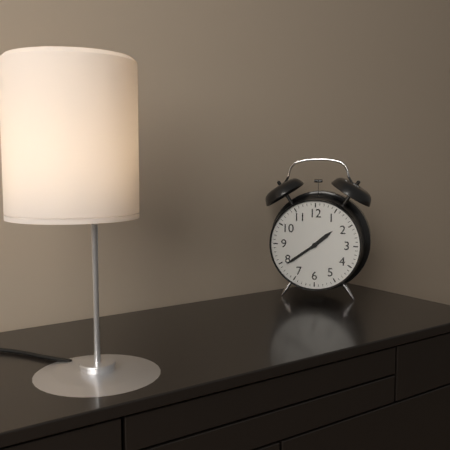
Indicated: **1:39**
